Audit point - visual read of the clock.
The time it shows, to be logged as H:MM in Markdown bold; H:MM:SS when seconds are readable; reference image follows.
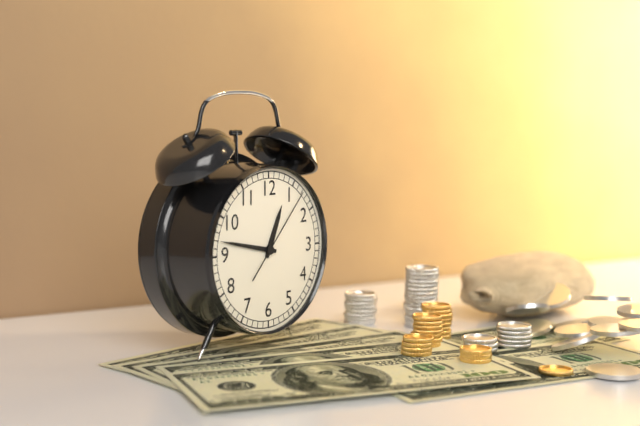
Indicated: **12:47:07**
